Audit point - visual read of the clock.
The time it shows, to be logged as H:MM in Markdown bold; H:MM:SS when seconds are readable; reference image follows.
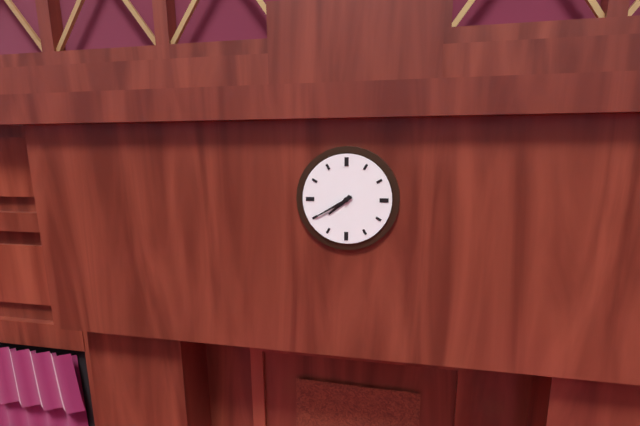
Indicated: **7:40**
